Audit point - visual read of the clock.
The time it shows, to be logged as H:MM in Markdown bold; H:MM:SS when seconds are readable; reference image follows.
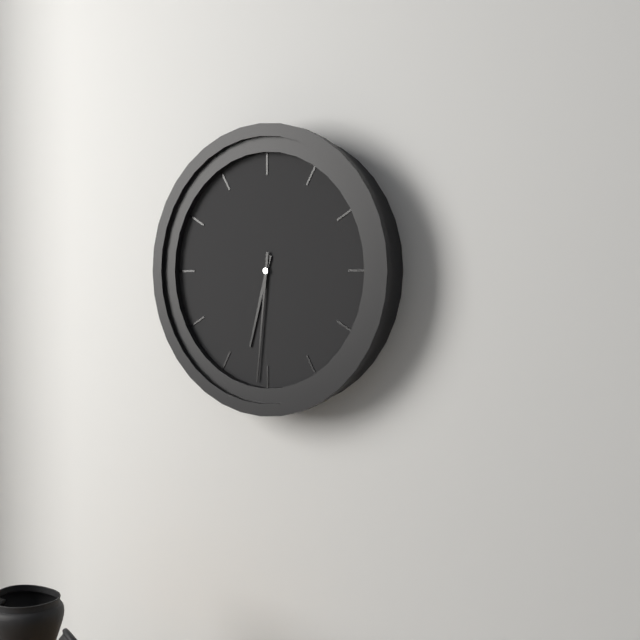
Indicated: **6:31**
